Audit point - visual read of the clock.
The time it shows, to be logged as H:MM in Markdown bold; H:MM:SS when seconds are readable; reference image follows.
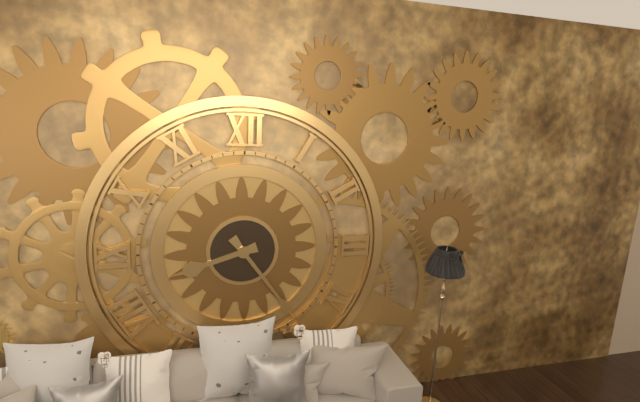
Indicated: **8:24**
